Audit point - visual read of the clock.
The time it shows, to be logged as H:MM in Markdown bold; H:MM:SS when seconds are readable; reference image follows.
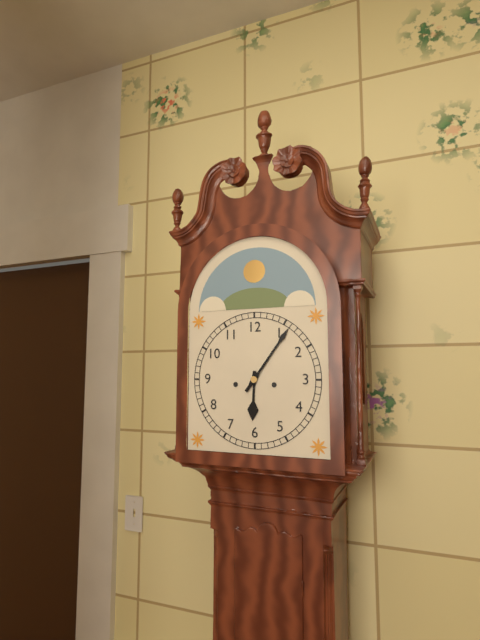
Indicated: **6:06**
